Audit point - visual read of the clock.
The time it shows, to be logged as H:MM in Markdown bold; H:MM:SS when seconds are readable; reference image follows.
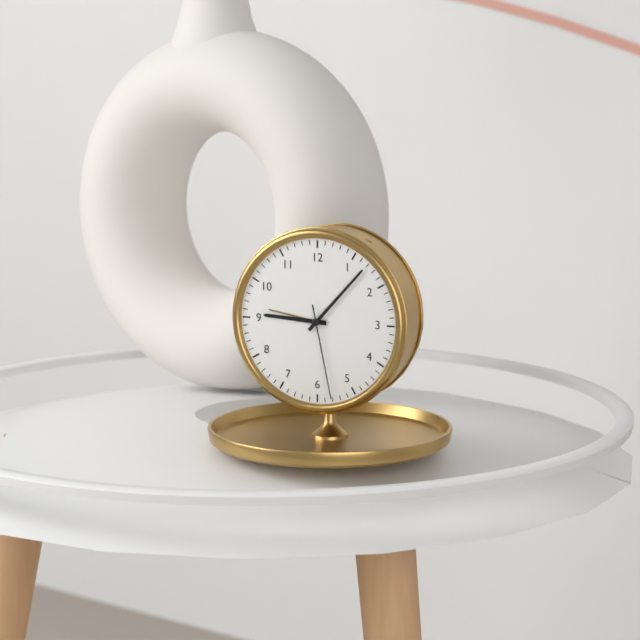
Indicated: **9:07:28**
